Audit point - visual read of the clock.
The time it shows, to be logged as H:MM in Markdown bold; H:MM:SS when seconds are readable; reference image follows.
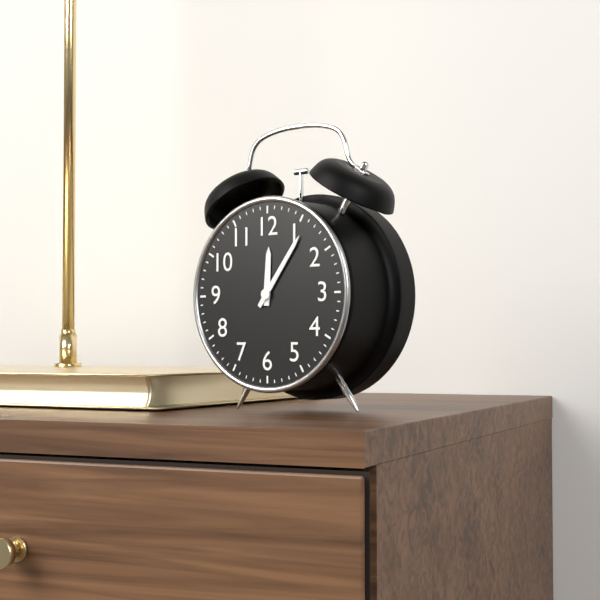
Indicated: **12:06**
